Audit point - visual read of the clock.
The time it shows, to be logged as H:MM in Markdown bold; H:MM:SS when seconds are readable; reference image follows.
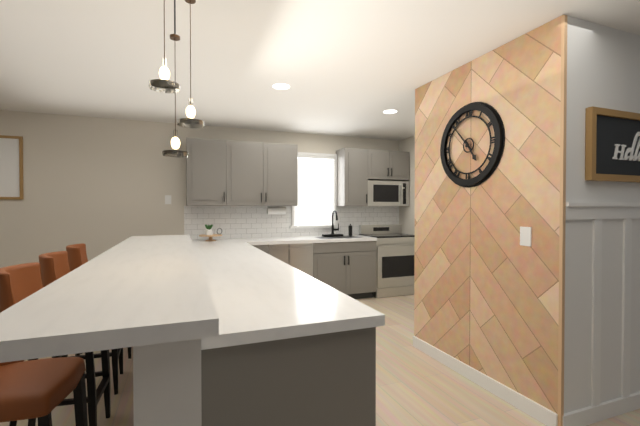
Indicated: **4:53**
